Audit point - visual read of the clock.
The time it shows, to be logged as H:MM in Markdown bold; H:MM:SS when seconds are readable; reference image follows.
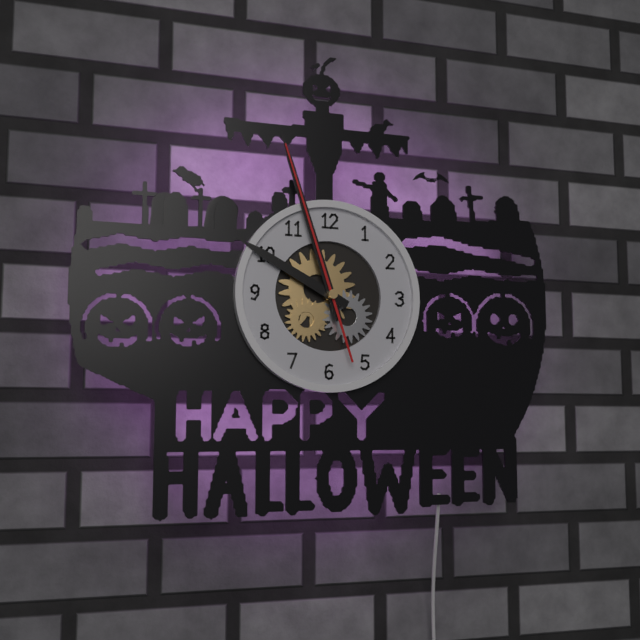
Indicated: **9:57:57**
